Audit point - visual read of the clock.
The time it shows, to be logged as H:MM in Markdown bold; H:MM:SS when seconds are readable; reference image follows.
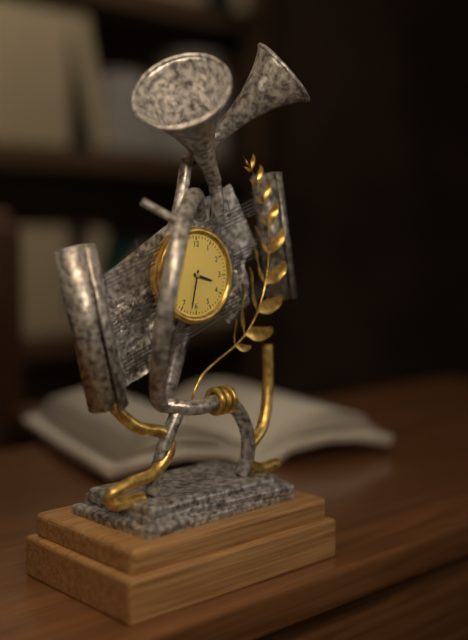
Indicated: **3:32**
